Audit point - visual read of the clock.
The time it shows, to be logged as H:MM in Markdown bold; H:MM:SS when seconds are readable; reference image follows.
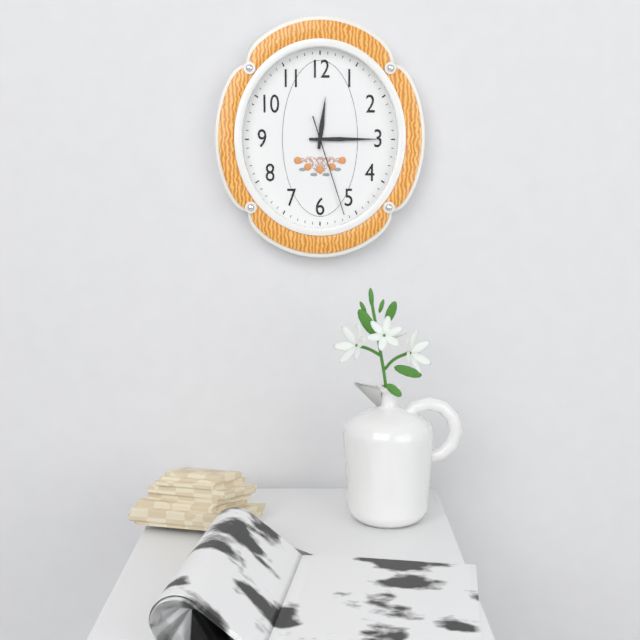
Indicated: **12:15:27**
